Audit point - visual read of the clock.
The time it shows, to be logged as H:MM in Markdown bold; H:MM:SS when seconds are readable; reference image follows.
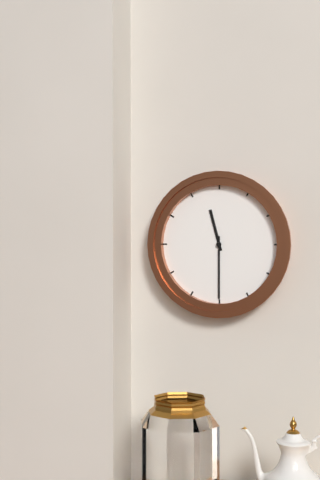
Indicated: **11:30**
